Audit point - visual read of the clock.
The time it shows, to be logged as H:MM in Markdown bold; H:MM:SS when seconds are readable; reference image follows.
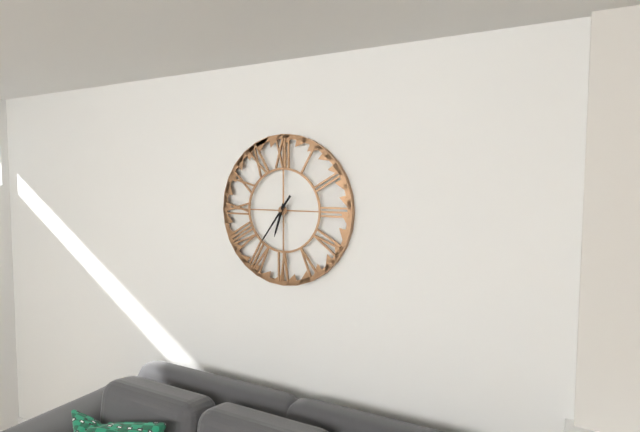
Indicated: **6:36**
